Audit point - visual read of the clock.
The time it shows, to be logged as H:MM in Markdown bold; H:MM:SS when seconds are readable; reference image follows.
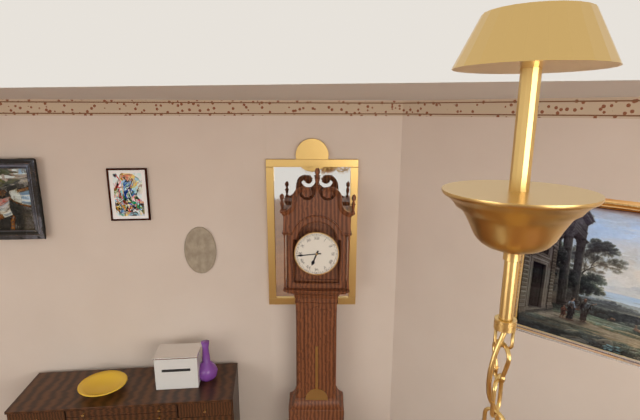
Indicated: **6:44**
